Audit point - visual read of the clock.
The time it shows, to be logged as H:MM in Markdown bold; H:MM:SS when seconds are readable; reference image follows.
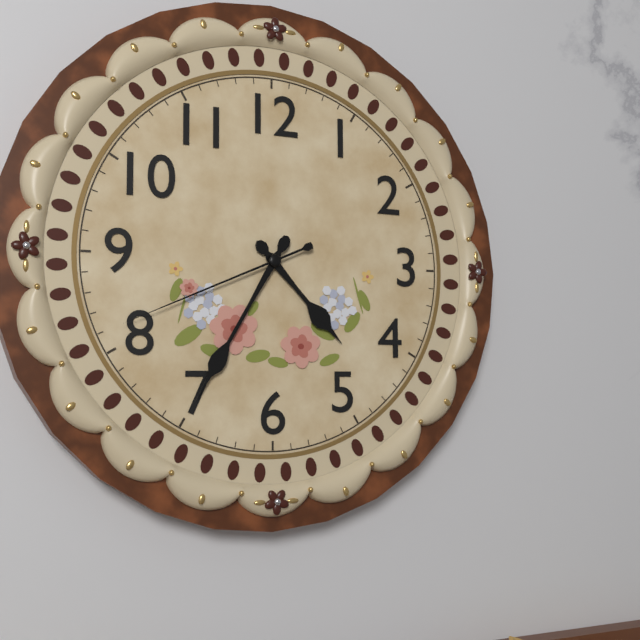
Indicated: **4:35:41**
